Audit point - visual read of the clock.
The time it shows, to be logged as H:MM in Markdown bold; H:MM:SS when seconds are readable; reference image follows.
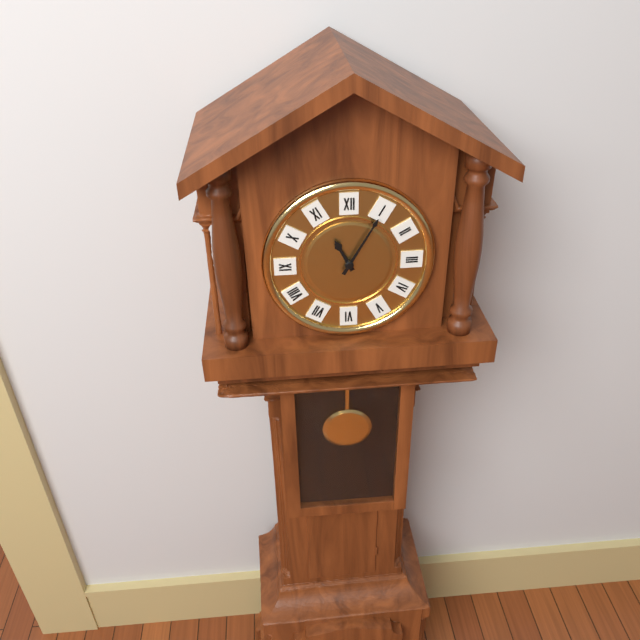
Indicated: **11:05**
